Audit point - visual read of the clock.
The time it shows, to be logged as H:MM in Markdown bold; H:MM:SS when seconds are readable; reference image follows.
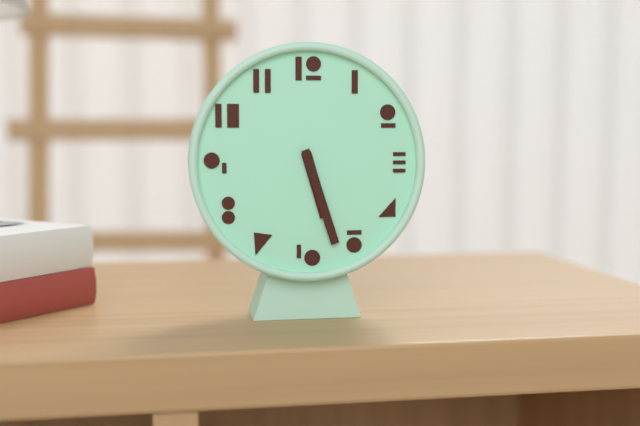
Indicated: **5:27**
